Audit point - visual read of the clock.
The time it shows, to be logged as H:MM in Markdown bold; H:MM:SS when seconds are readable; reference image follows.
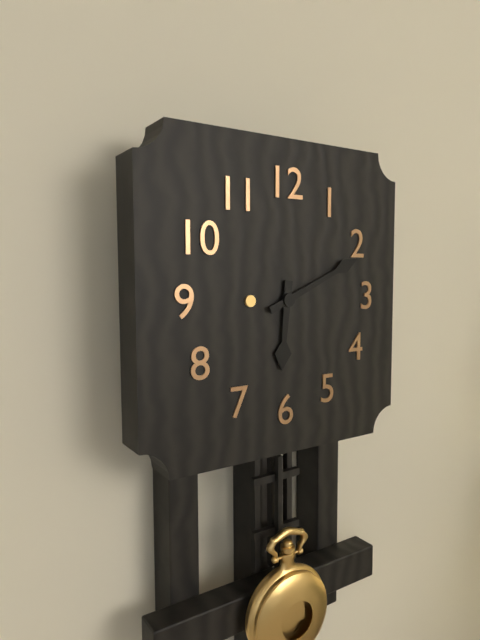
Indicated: **6:11**
